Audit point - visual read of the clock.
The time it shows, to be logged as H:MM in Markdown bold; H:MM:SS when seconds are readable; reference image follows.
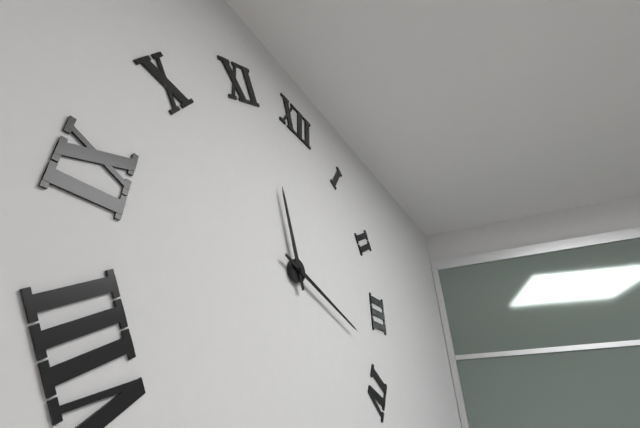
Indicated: **11:18**
